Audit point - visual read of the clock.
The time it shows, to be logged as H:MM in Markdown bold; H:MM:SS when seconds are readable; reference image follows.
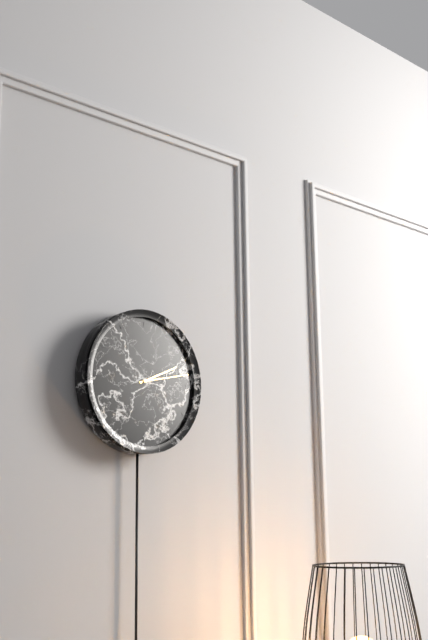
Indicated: **2:13**
